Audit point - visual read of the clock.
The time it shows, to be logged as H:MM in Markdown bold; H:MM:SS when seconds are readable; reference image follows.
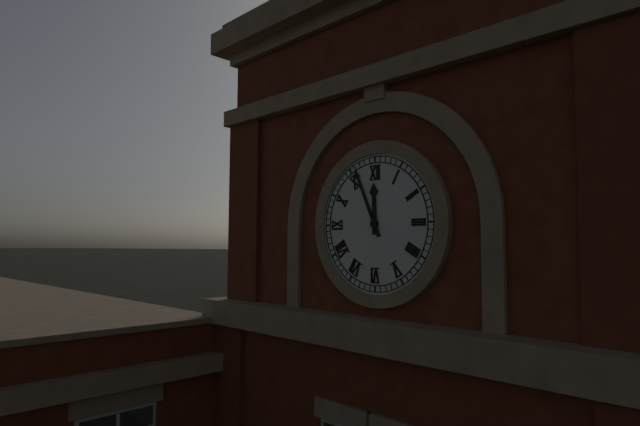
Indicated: **11:56**
